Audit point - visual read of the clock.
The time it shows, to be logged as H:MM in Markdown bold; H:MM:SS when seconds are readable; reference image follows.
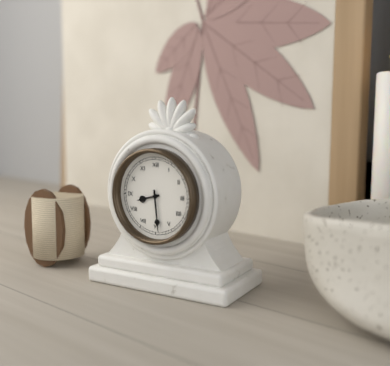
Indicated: **8:29**
